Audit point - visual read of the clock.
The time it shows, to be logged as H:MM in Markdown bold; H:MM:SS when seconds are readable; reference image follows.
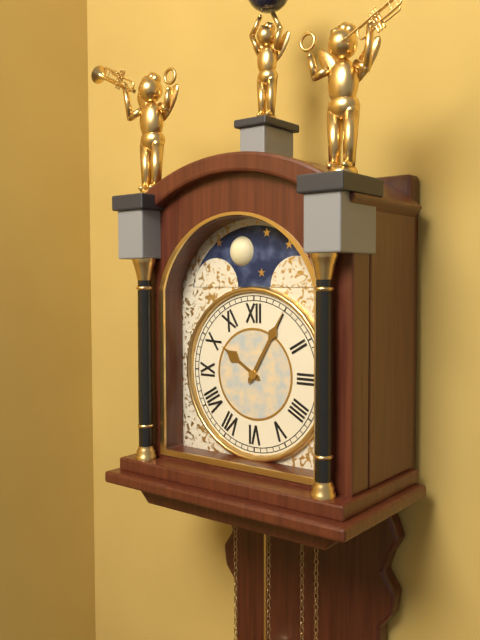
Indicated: **10:05**
